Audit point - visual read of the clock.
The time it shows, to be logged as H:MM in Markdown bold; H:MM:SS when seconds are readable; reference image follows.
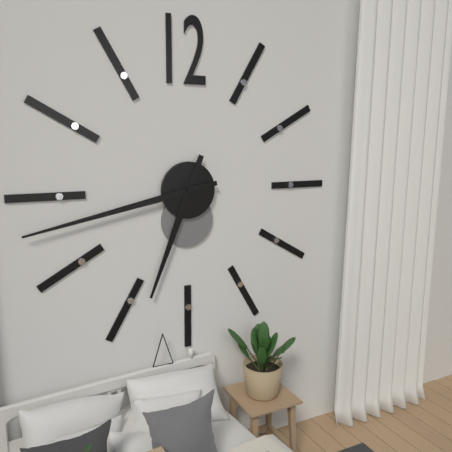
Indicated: **6:43**
